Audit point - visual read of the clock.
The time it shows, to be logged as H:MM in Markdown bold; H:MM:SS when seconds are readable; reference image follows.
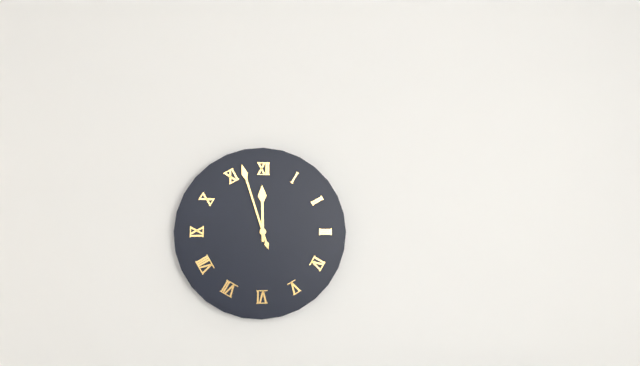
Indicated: **11:57**
